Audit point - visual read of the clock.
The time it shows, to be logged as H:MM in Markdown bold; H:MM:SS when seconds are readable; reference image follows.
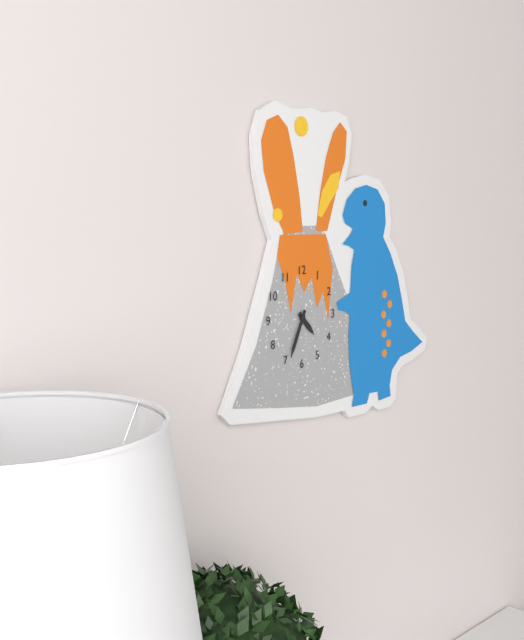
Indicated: **4:34**
